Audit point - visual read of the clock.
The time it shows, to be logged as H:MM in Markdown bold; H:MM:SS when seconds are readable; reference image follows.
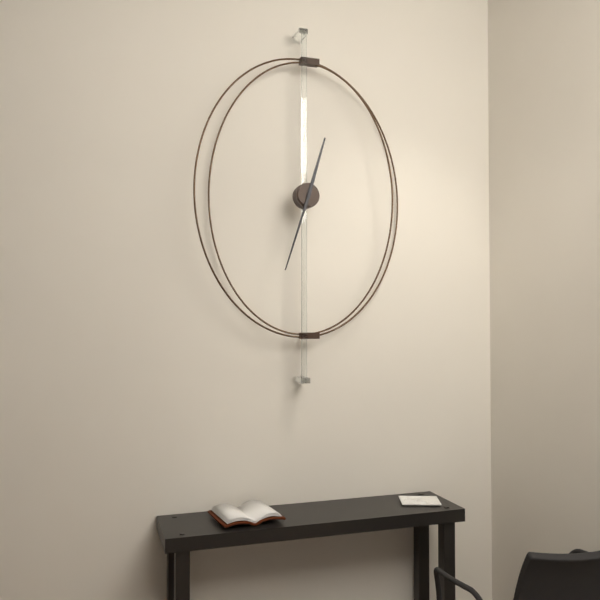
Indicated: **12:33**
